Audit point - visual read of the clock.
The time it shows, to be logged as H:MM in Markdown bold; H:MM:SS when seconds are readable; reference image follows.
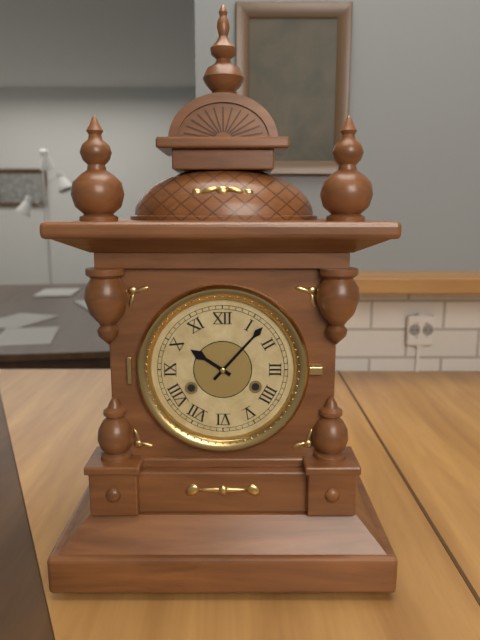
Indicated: **10:07**
